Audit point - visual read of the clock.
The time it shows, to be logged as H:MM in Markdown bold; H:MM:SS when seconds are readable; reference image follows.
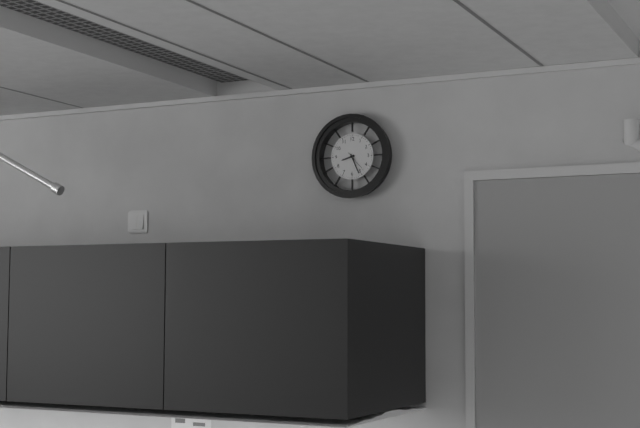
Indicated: **8:26**
